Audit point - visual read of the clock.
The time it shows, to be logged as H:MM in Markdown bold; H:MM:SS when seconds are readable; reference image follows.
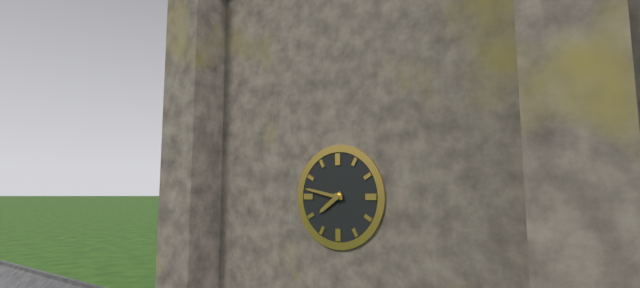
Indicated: **7:47**
